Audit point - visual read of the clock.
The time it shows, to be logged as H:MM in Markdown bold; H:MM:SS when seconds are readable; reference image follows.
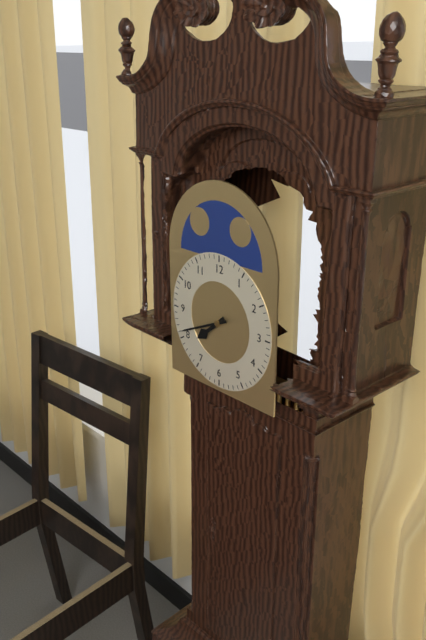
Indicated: **7:41**
